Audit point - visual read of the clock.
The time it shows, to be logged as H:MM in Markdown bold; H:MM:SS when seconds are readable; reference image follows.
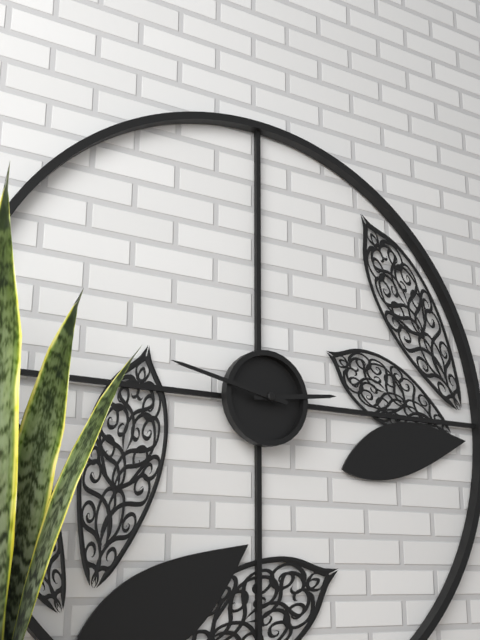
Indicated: **2:47**
